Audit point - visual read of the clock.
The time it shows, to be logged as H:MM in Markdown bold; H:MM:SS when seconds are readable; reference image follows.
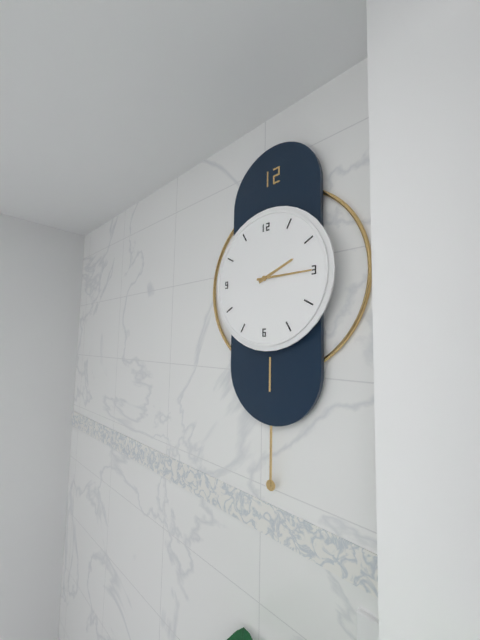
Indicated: **2:15**
